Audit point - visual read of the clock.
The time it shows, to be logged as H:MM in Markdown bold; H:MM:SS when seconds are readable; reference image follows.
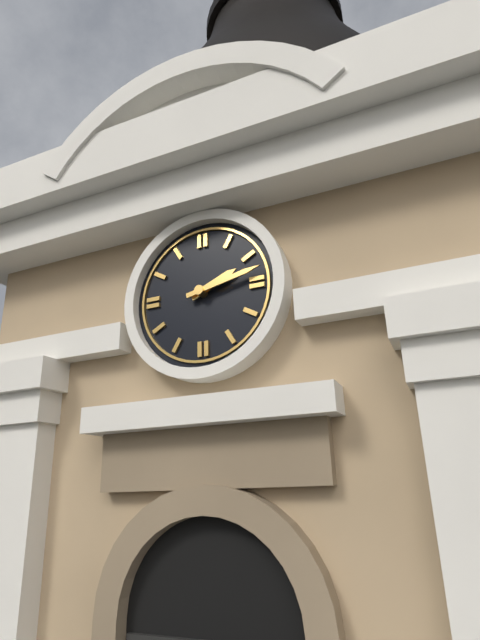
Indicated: **2:13**
